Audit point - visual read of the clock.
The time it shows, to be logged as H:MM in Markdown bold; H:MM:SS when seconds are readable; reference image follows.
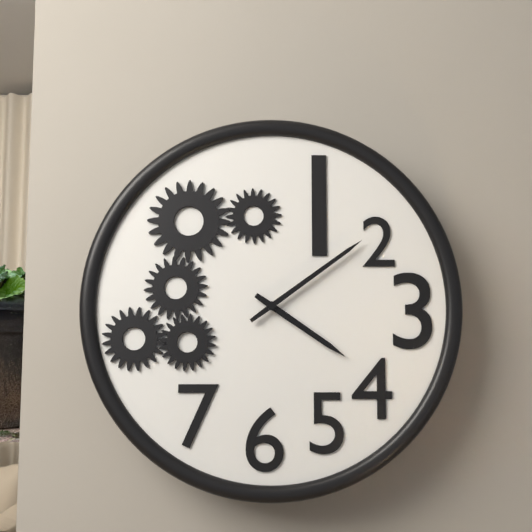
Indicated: **4:09**
